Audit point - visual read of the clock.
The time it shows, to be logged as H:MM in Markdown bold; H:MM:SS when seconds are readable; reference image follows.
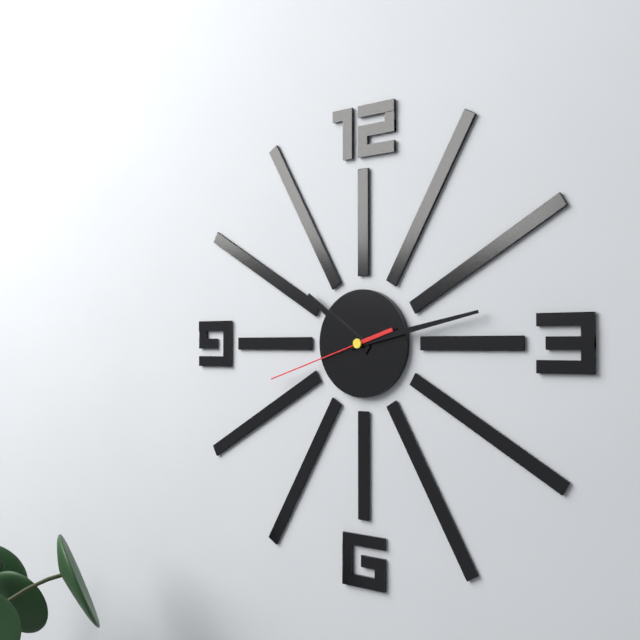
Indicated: **10:13:42**
